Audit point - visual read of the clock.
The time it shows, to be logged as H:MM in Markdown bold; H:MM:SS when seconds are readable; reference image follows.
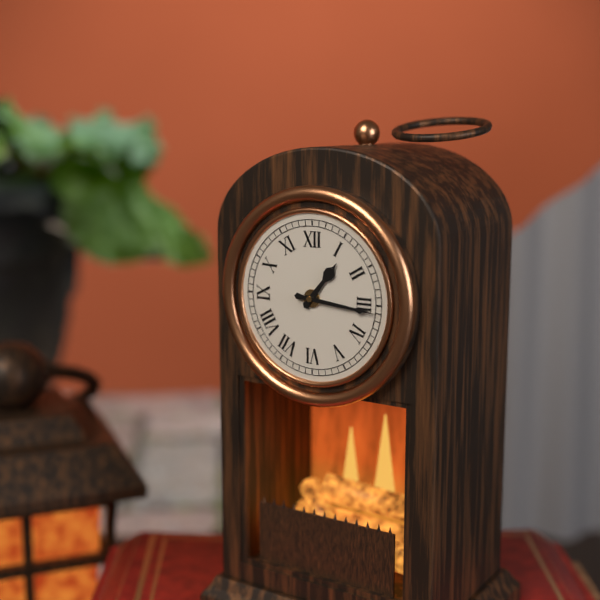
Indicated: **1:16**
